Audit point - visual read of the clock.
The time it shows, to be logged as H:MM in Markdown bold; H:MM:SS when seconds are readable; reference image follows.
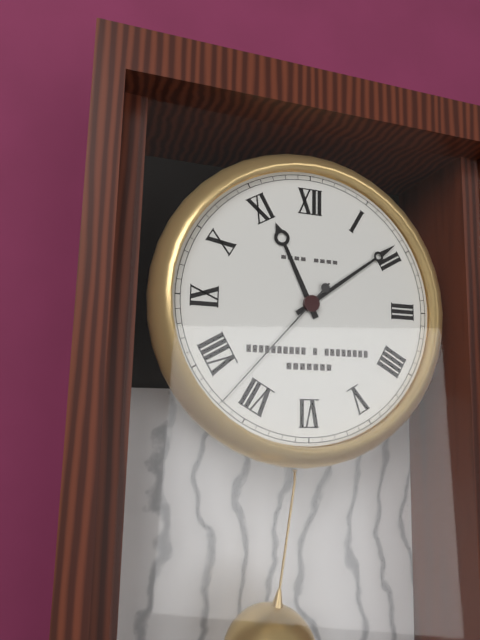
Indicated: **11:09:37**
